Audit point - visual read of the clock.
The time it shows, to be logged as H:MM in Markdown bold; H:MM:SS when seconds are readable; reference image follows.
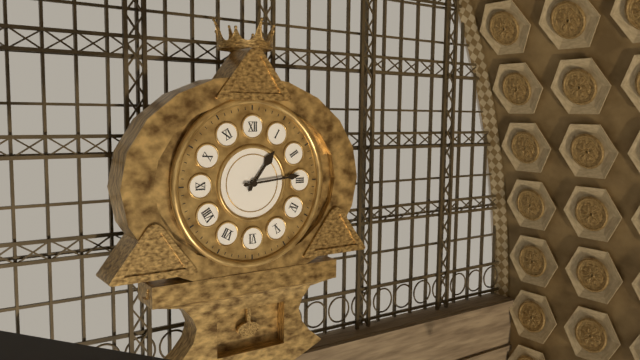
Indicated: **1:14**
